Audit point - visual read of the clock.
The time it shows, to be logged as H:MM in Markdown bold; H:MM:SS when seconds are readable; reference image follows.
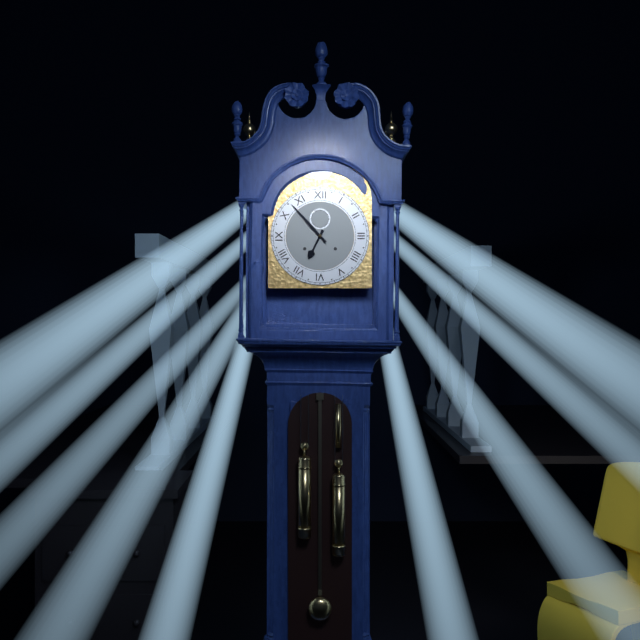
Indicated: **6:53**
